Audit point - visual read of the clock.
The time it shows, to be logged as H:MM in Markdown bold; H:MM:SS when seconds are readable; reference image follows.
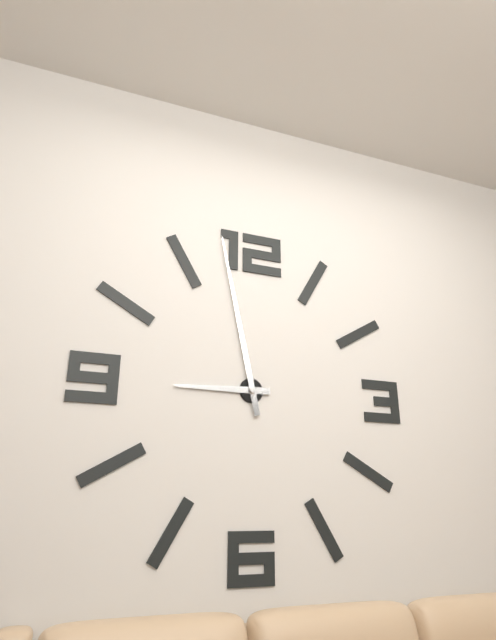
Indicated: **8:58**
